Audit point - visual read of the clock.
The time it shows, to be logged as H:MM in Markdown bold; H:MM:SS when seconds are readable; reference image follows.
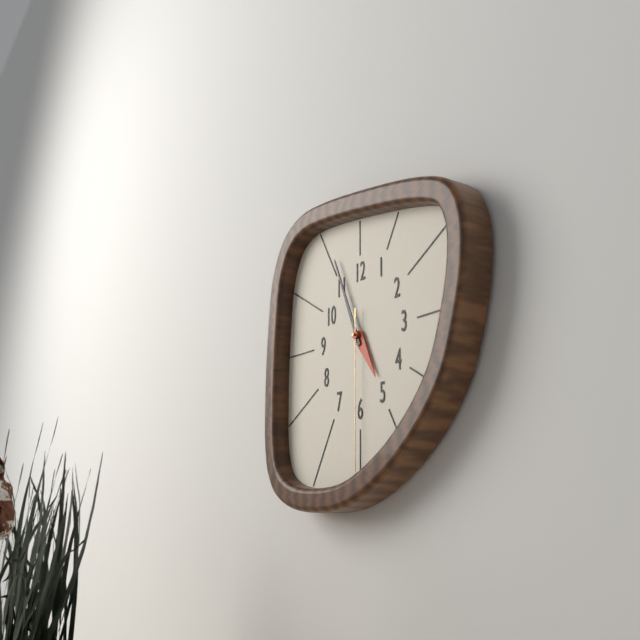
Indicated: **4:56:30**
